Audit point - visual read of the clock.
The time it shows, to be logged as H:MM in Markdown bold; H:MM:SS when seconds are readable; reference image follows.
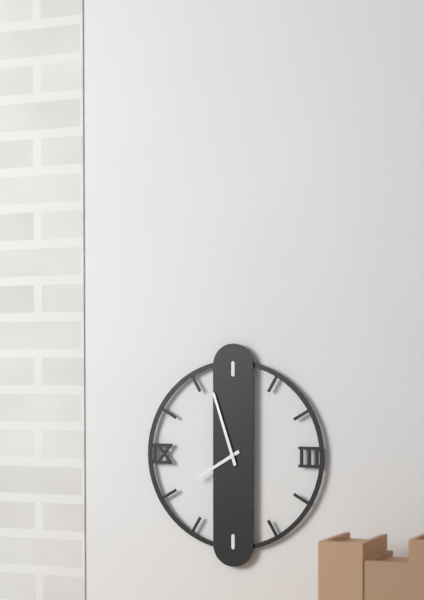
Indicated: **7:57**
